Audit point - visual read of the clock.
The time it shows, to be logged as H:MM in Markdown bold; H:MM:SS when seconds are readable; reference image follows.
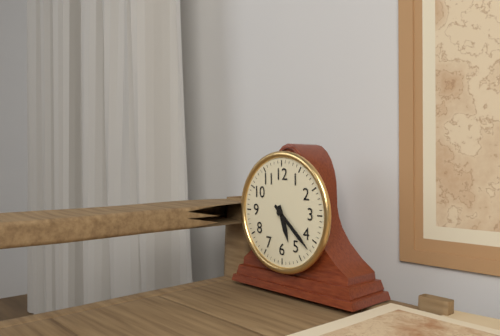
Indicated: **5:22**
